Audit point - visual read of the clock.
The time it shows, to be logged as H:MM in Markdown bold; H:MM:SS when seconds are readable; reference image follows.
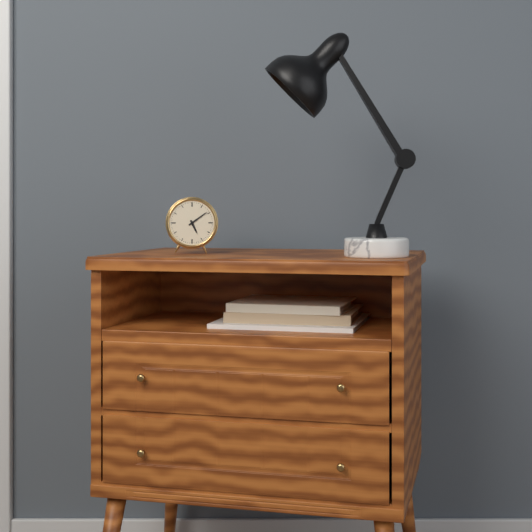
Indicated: **5:09**
